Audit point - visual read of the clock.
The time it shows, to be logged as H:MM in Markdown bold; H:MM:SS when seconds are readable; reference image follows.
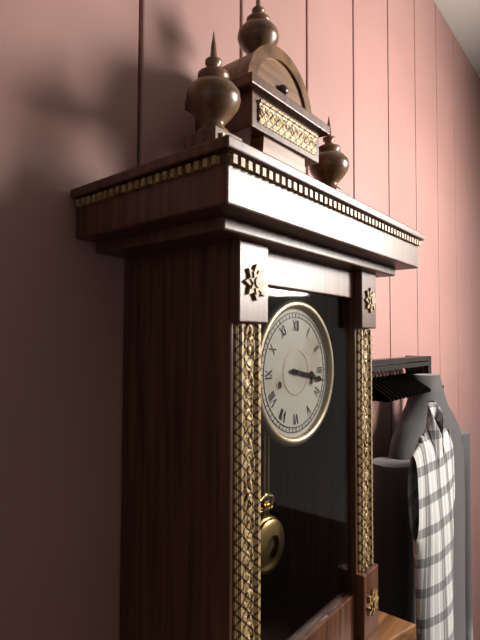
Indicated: **3:17**
